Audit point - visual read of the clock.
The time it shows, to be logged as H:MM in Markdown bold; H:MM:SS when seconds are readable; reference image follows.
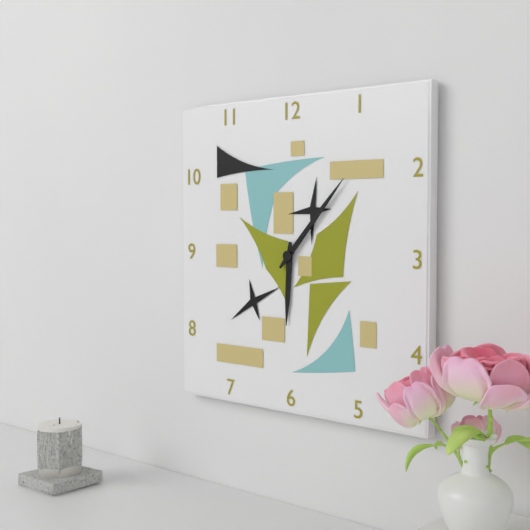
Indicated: **6:07**
